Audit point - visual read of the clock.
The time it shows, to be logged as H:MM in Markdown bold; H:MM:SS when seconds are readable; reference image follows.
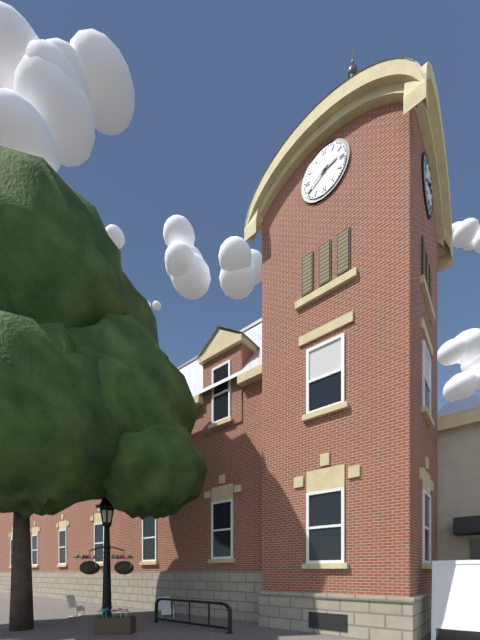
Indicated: **2:40**
